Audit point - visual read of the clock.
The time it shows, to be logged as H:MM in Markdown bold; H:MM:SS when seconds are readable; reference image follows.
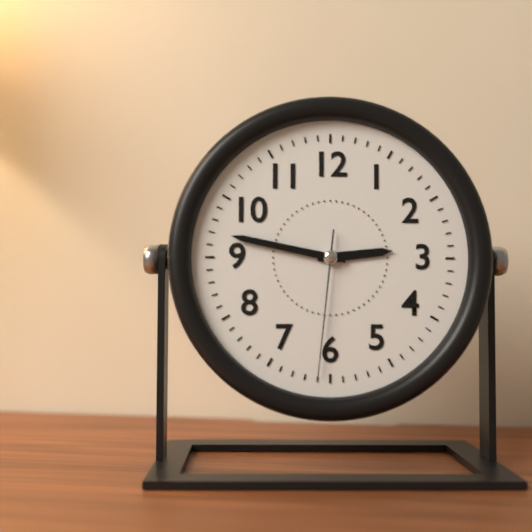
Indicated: **2:47:31**
